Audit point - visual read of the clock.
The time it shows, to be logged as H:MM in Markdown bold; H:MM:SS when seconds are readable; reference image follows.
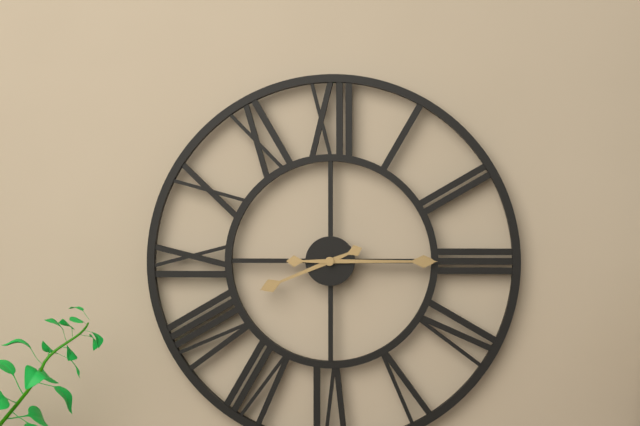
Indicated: **8:15**
